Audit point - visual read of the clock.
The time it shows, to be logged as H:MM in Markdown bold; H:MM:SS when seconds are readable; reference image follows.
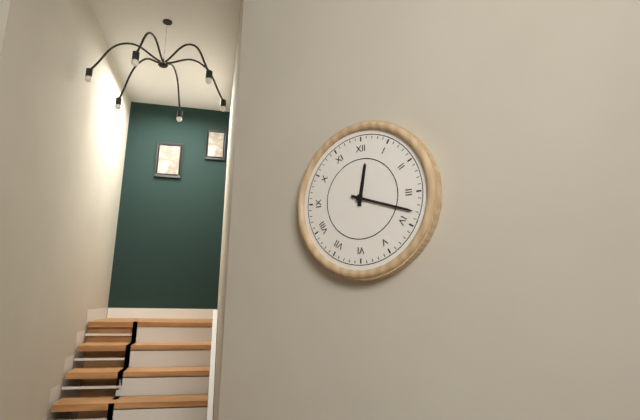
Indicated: **12:18**
